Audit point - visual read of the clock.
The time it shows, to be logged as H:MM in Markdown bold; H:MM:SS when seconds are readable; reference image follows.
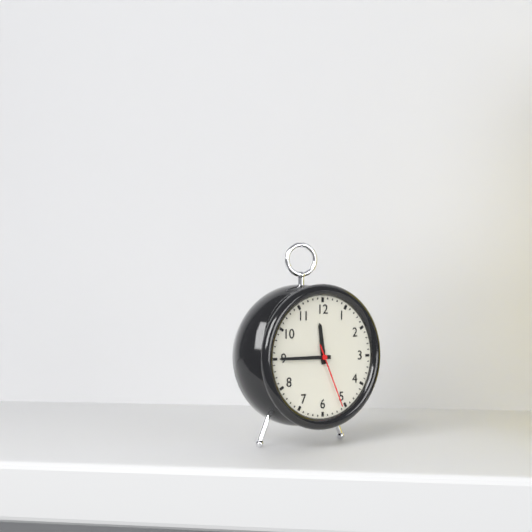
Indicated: **11:45:26**
